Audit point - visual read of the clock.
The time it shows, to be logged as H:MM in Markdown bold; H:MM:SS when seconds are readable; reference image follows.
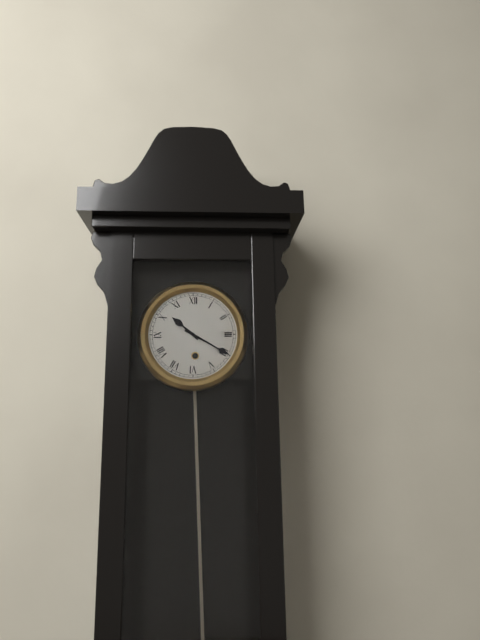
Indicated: **10:20**
